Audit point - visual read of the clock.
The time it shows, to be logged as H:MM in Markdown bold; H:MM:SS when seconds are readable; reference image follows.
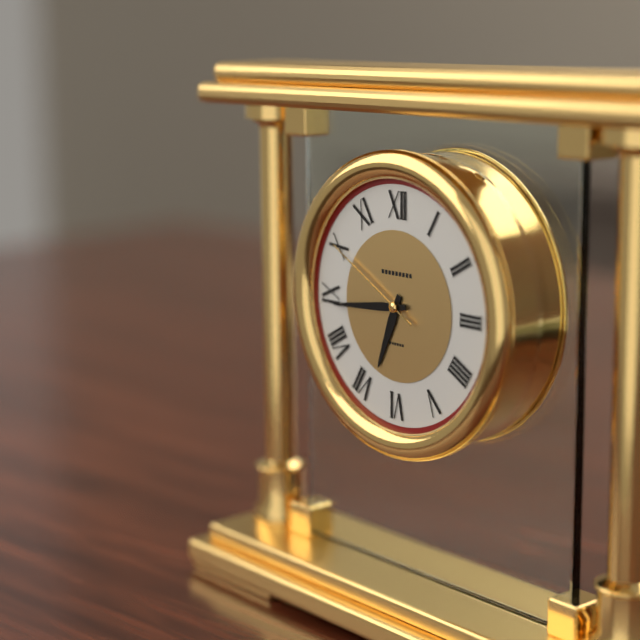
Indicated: **6:44:50**
